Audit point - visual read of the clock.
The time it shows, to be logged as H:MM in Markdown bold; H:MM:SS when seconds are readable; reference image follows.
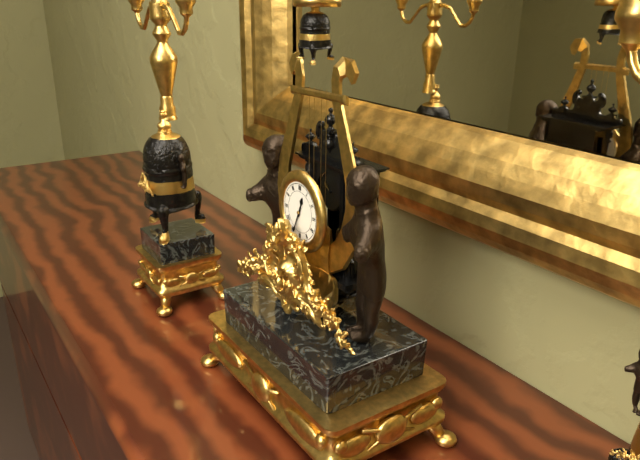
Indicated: **12:34**
